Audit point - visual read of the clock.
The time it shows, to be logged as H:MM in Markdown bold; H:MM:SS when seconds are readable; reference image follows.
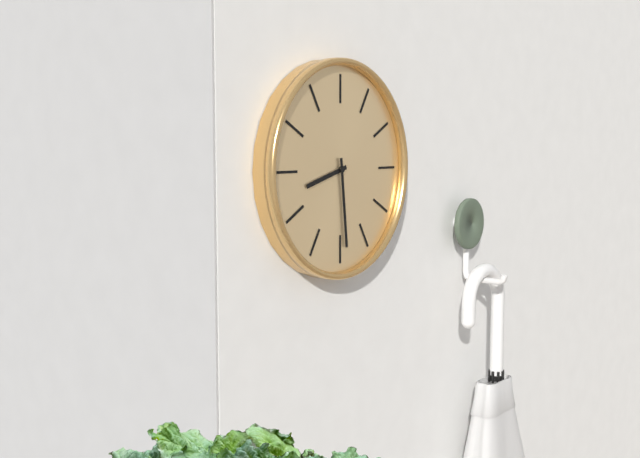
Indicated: **8:29**
